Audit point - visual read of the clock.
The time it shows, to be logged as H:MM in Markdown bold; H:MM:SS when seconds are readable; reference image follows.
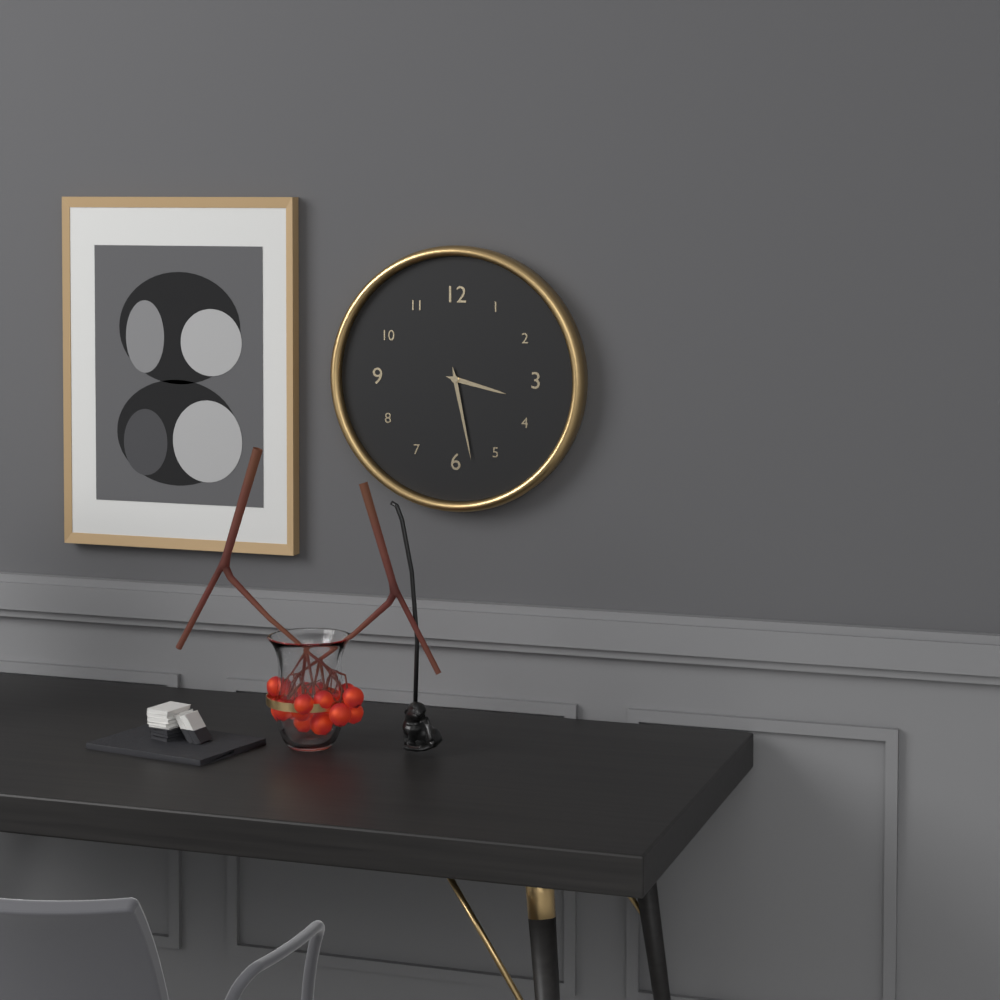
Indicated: **3:28**
